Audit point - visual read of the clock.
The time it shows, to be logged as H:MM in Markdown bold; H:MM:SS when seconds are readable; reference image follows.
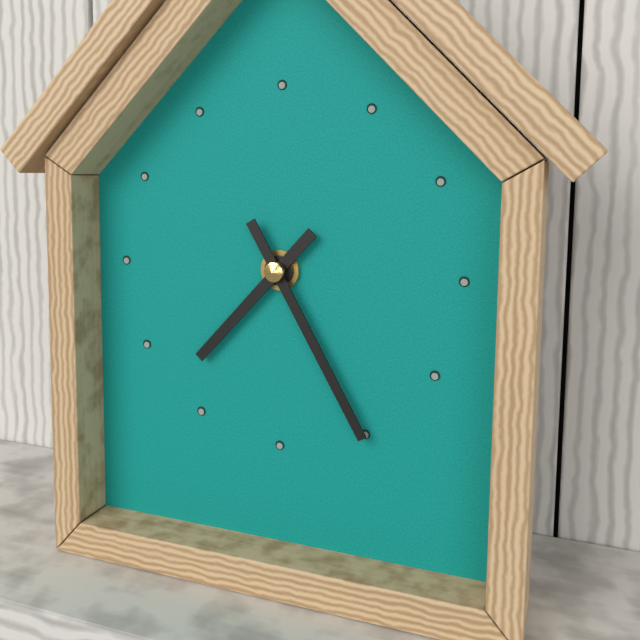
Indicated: **7:25**
